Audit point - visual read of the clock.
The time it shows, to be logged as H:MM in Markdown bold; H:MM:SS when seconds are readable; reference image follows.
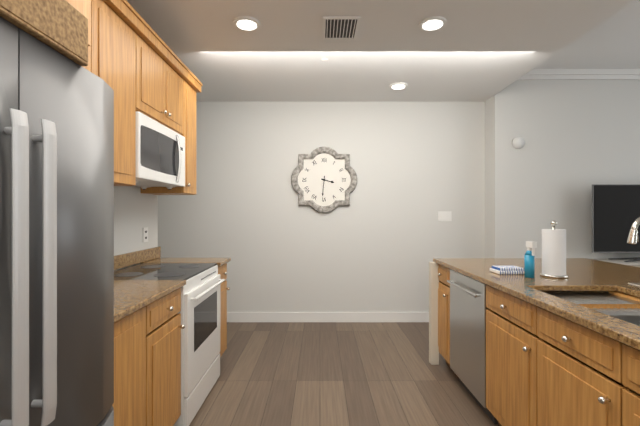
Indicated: **3:31**
